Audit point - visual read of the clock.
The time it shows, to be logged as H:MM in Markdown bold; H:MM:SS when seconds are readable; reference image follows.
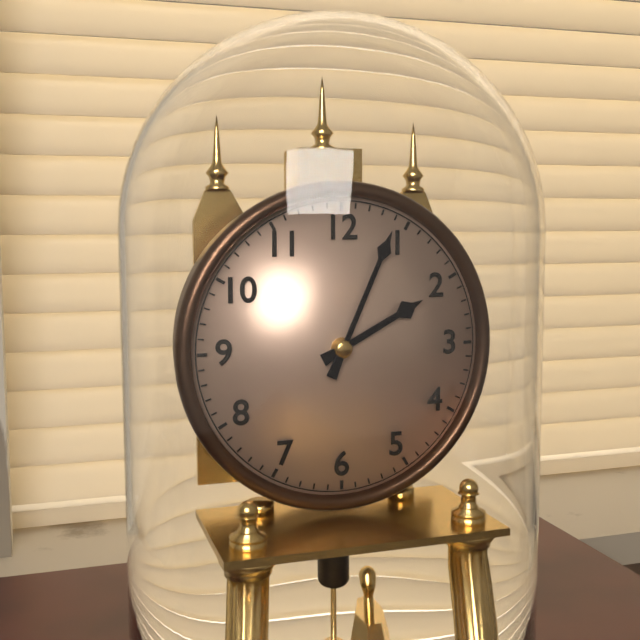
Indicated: **2:04**
